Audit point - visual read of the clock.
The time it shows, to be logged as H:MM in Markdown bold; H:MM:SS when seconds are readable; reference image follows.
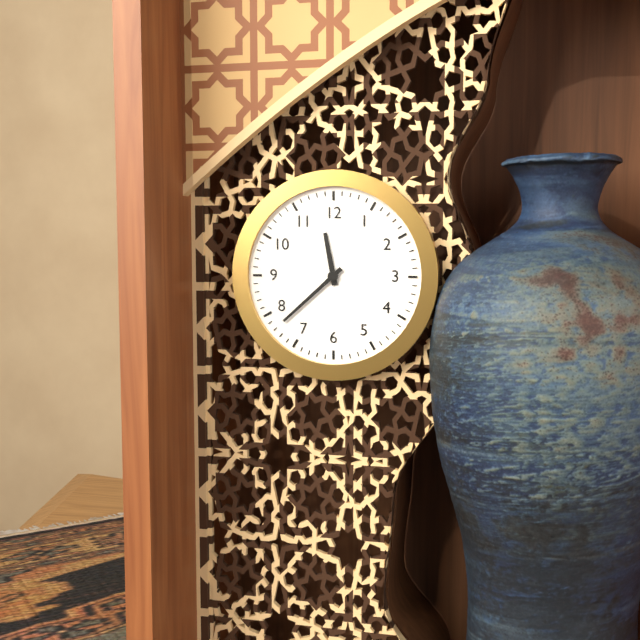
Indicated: **11:38**
